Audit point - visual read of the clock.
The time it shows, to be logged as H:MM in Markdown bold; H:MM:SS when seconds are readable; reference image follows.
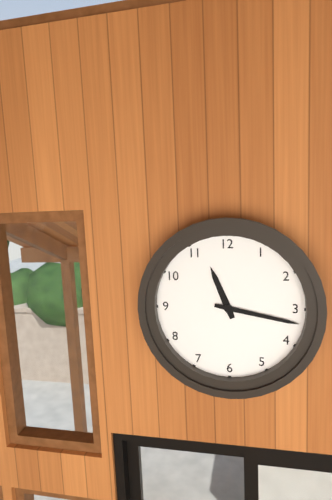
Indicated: **11:17**
